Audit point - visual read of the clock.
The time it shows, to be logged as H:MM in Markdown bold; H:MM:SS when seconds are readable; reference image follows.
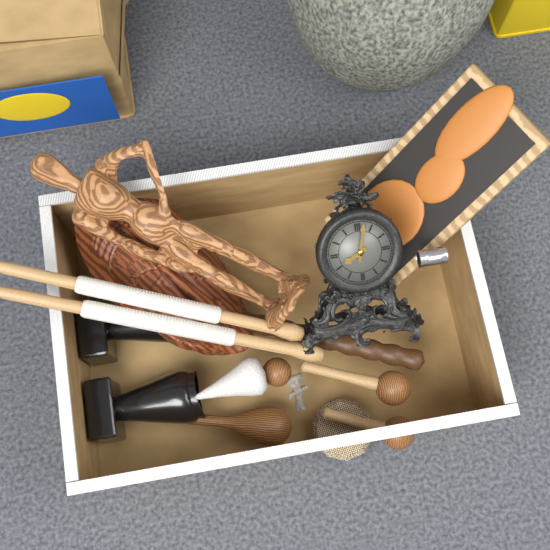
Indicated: **8:02**
